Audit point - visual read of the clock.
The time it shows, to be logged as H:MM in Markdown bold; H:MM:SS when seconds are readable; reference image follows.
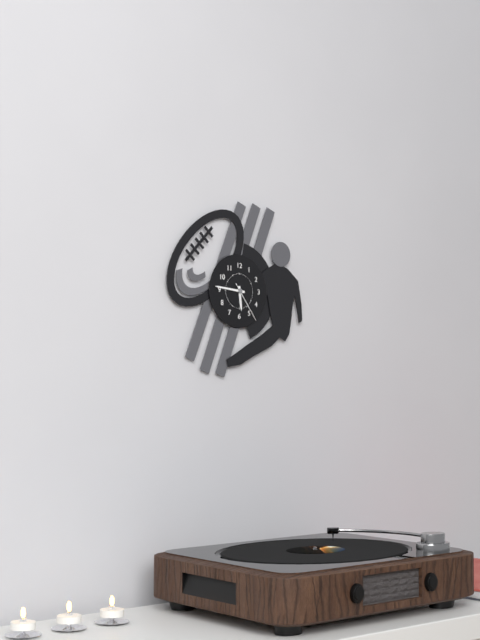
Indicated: **5:46**
